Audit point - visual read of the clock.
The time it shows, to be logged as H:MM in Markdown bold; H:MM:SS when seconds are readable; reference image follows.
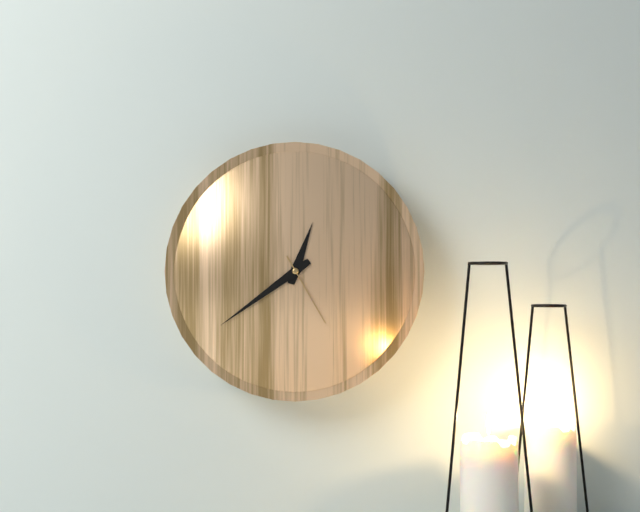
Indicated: **12:39:25**
